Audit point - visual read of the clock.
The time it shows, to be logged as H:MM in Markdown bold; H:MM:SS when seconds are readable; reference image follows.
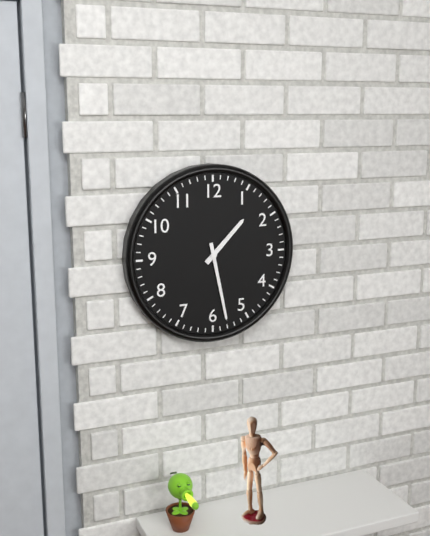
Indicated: **1:28**
